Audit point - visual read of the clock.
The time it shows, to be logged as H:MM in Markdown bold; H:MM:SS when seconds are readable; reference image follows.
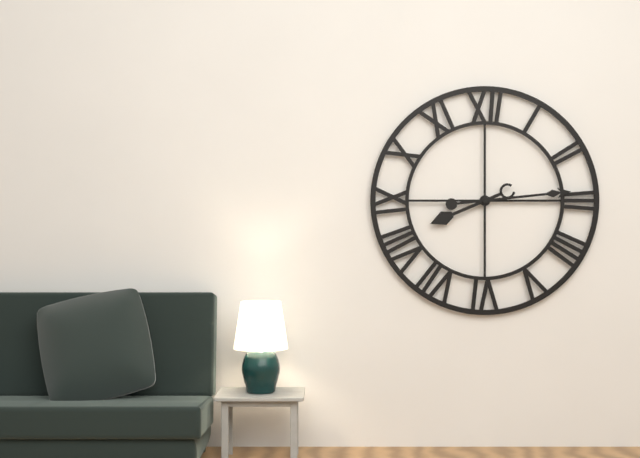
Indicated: **8:14**
